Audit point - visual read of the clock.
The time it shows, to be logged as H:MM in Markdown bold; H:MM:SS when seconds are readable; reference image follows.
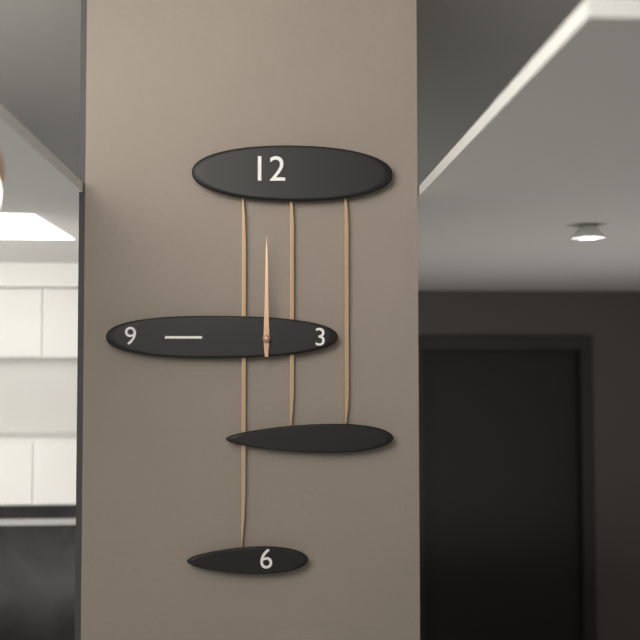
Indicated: **12:00**
